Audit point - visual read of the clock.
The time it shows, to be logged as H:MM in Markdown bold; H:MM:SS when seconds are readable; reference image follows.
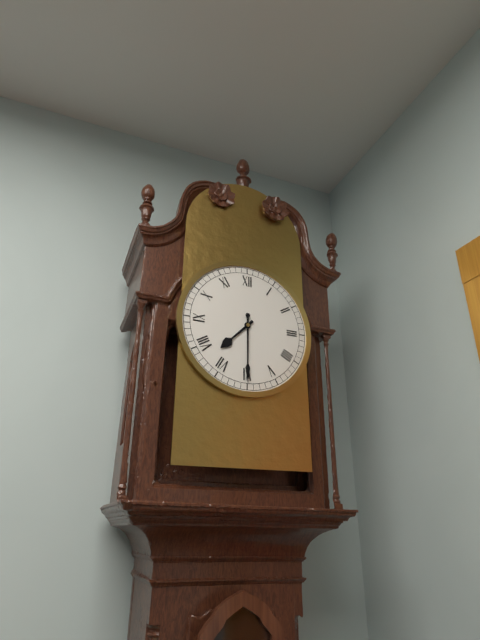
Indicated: **7:30**
